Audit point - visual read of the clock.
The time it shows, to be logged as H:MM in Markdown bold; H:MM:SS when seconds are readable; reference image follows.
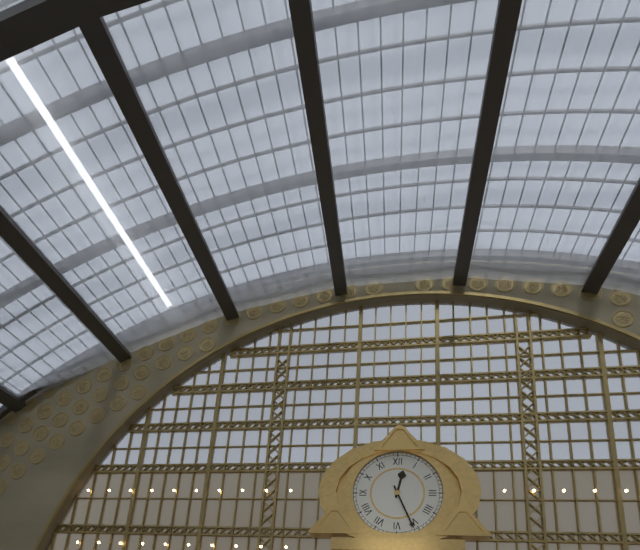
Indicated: **12:26**
